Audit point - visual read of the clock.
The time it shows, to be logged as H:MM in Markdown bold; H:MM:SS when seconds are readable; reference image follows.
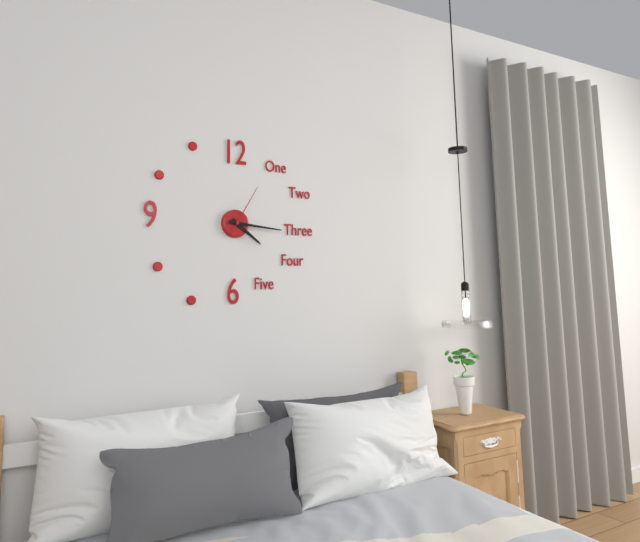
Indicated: **4:16:05**
